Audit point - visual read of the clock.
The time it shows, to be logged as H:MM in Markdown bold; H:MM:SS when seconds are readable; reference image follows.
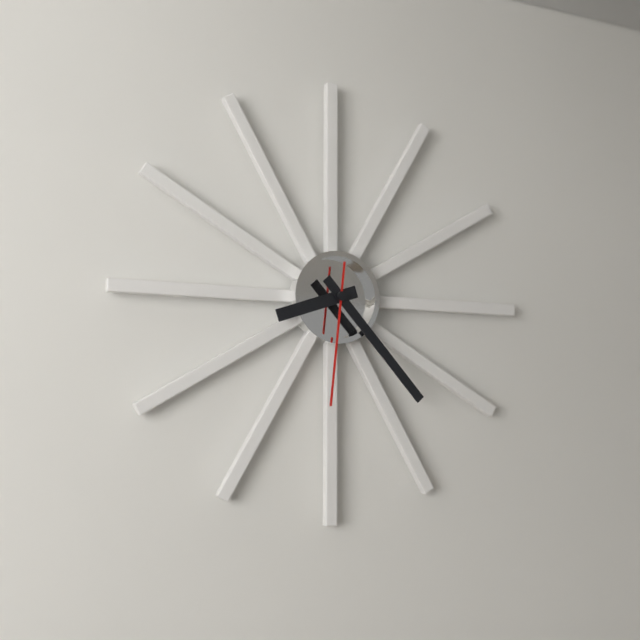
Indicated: **8:23:31**
